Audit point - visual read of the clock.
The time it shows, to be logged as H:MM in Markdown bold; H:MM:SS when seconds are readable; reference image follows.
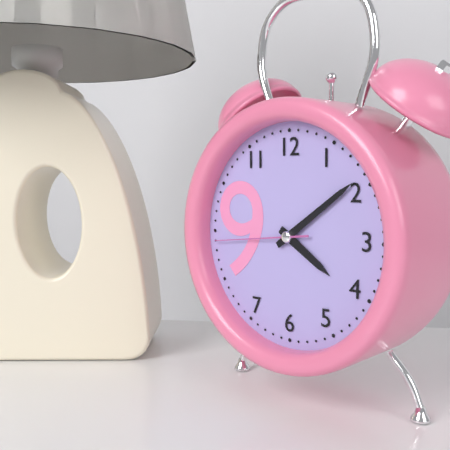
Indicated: **4:09:44**
